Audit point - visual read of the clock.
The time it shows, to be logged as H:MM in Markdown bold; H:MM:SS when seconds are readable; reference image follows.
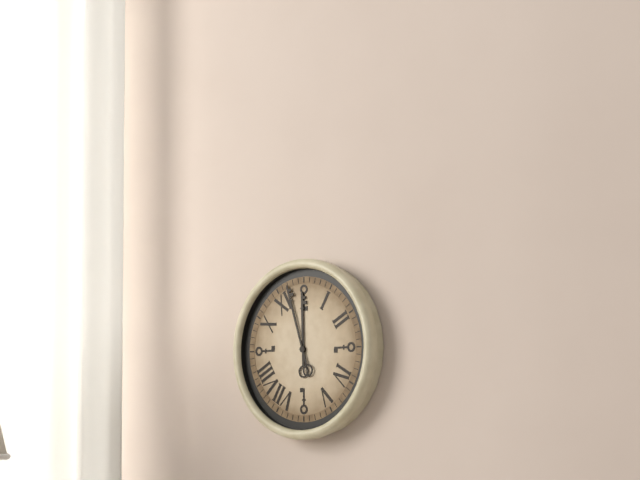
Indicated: **11:57**
